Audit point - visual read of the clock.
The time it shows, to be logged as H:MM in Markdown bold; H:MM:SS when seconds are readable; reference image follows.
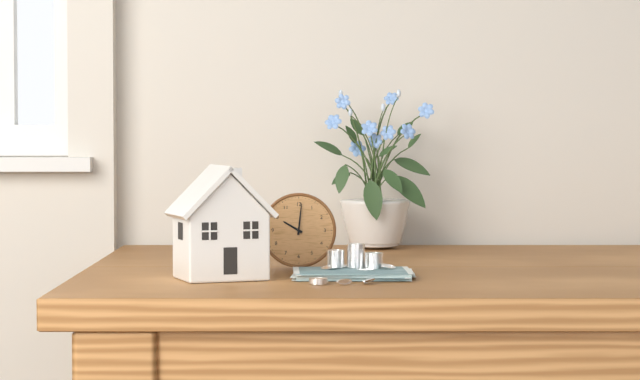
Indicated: **10:01**
